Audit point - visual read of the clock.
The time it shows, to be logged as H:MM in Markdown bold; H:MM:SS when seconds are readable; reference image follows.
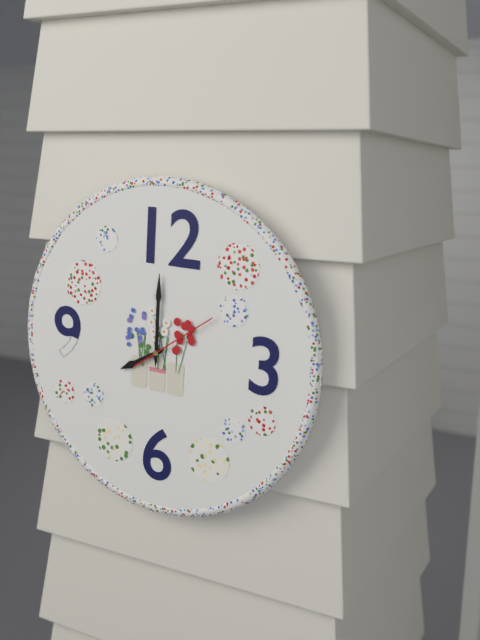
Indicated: **8:00:09**
